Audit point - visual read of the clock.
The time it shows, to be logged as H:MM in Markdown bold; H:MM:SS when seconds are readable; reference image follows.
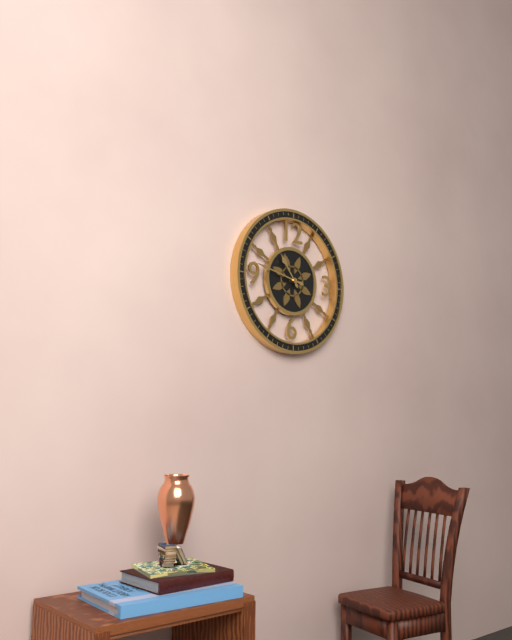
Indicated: **10:47**
